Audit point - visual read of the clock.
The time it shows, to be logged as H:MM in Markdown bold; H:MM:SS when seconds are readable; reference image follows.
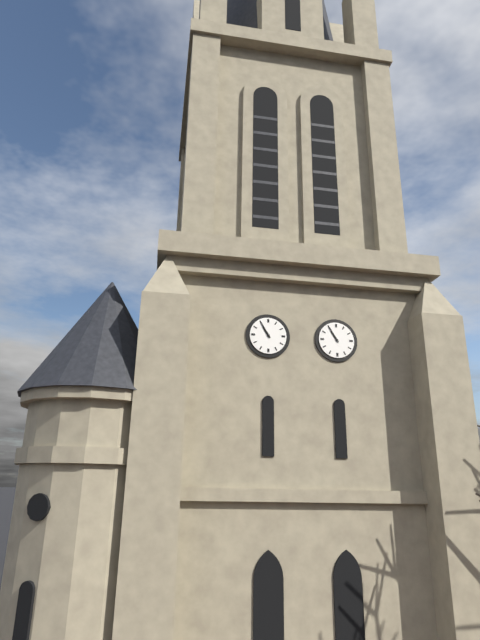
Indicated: **10:55**
